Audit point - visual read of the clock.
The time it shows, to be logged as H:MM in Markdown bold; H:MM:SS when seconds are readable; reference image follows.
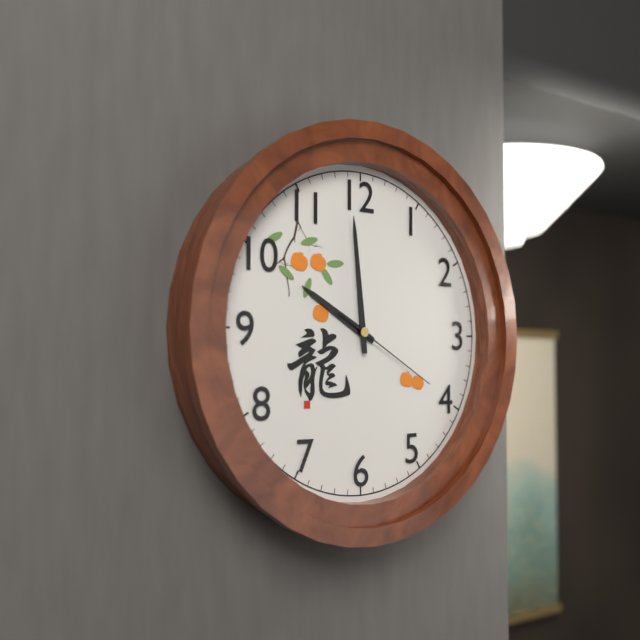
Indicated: **9:59:20**
